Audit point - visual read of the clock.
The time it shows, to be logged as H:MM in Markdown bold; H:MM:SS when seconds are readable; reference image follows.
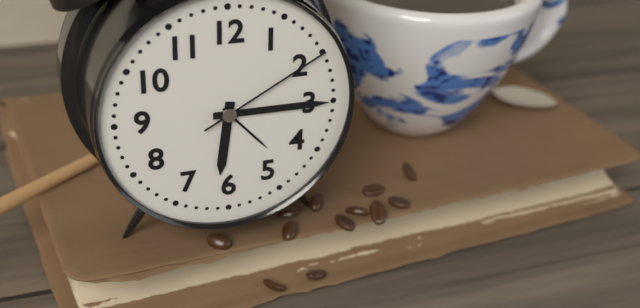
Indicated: **6:15:10**
